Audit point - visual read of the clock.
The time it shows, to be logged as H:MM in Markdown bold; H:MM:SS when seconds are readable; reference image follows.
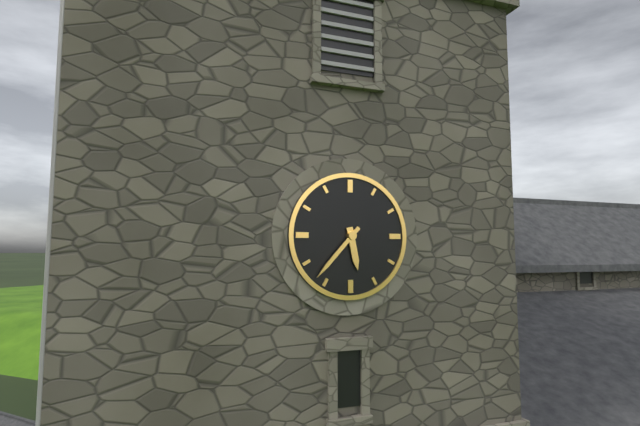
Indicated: **5:37**
